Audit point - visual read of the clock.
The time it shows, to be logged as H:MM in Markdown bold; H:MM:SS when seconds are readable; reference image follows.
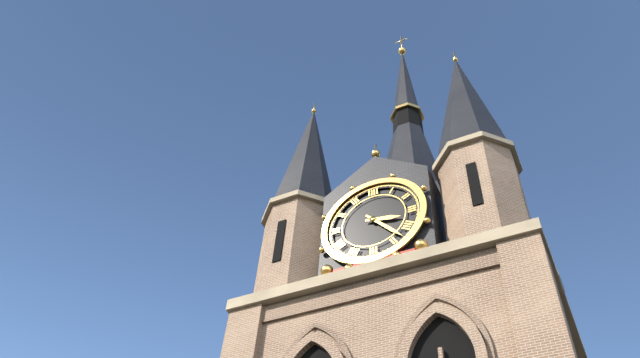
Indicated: **3:23**
